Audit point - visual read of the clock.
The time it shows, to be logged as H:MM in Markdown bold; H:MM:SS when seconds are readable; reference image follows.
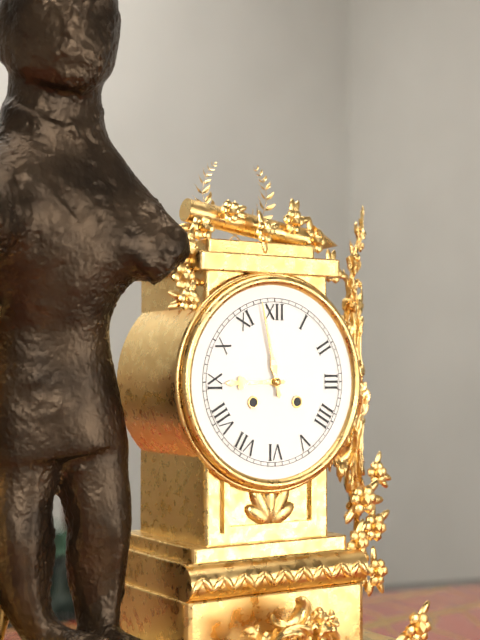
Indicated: **8:58**
